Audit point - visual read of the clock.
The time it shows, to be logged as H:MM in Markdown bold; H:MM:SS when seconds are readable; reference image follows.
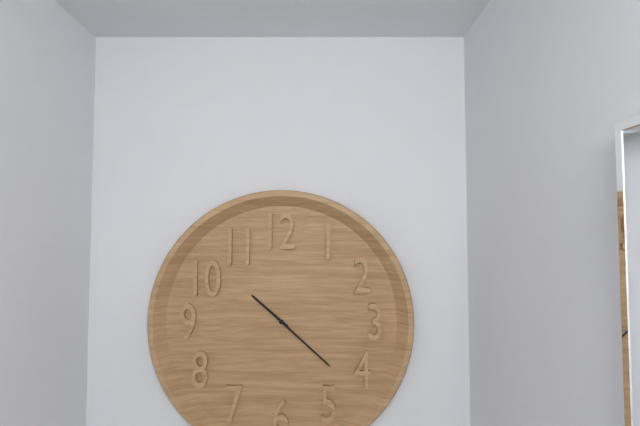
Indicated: **10:22**
